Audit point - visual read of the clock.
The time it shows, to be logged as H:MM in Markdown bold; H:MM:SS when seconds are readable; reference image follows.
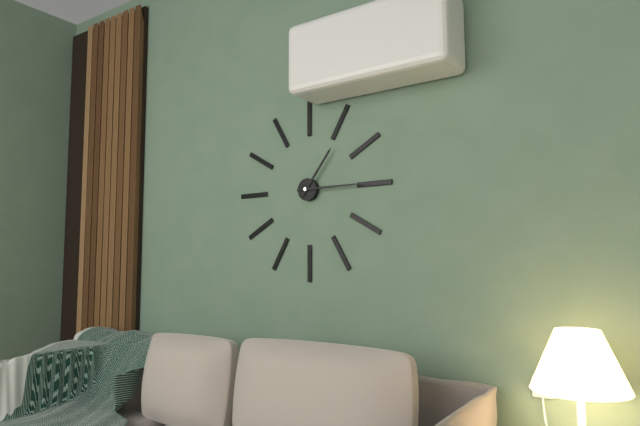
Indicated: **1:15**
